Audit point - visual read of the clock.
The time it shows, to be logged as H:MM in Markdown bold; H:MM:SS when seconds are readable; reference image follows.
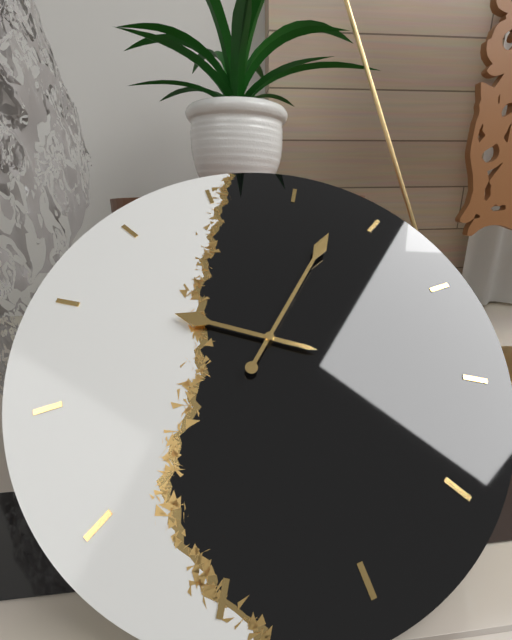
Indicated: **10:08**
